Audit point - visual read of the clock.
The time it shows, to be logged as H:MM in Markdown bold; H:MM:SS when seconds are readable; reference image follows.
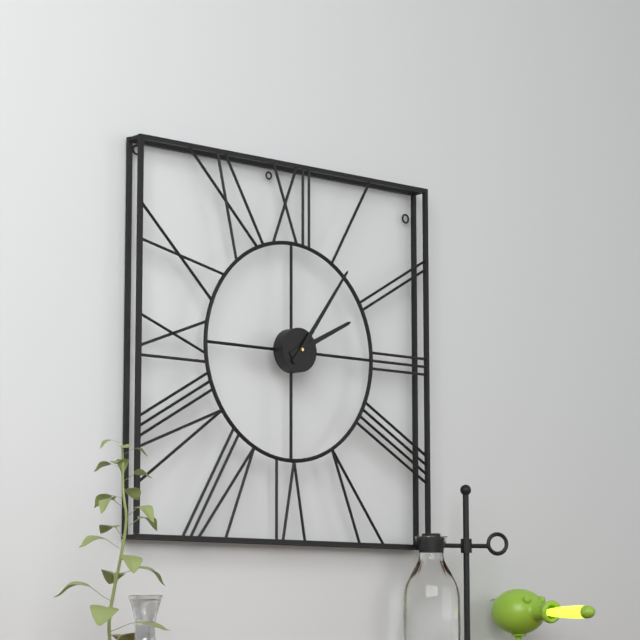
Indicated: **2:06**
